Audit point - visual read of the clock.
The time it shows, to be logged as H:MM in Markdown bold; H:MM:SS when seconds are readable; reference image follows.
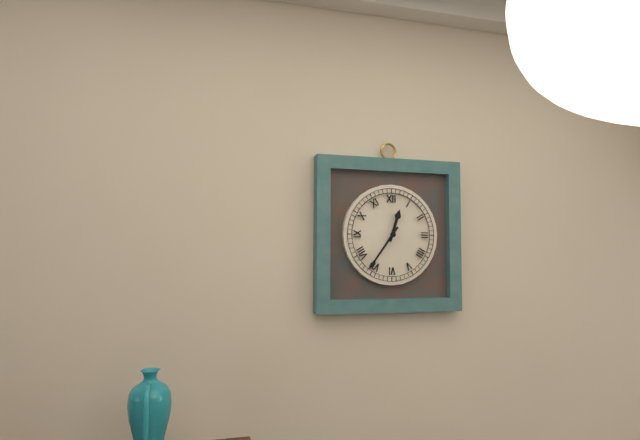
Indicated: **12:36**
